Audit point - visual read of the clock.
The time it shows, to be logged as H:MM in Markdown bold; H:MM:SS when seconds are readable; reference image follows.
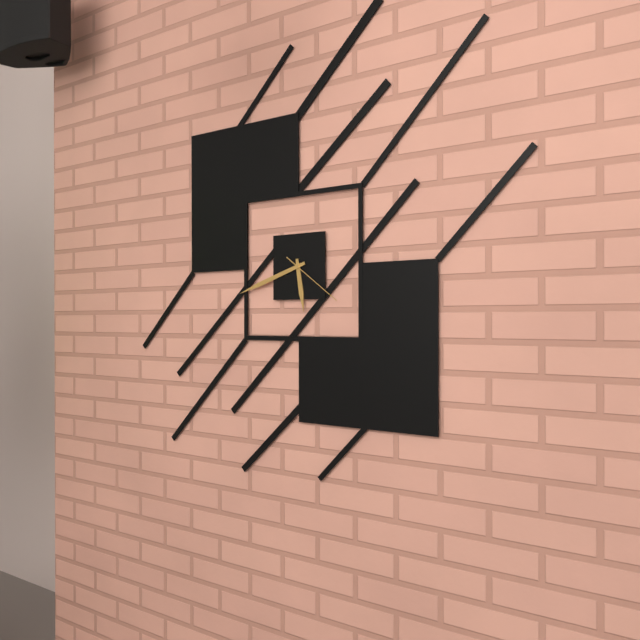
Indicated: **5:42:21**
